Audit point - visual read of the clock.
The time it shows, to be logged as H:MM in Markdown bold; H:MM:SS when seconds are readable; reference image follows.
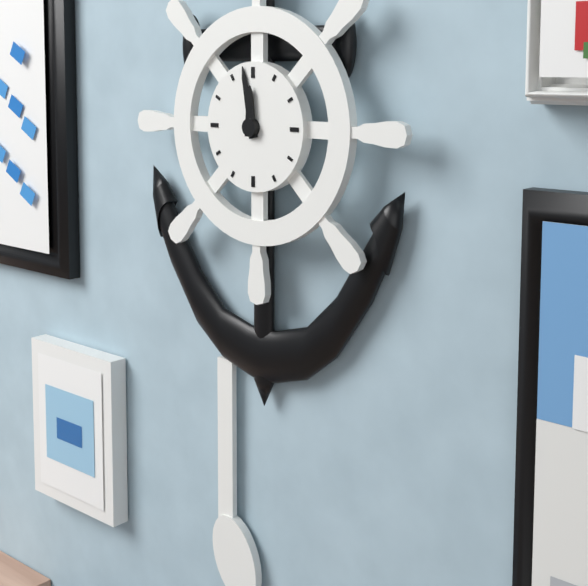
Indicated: **11:58**
